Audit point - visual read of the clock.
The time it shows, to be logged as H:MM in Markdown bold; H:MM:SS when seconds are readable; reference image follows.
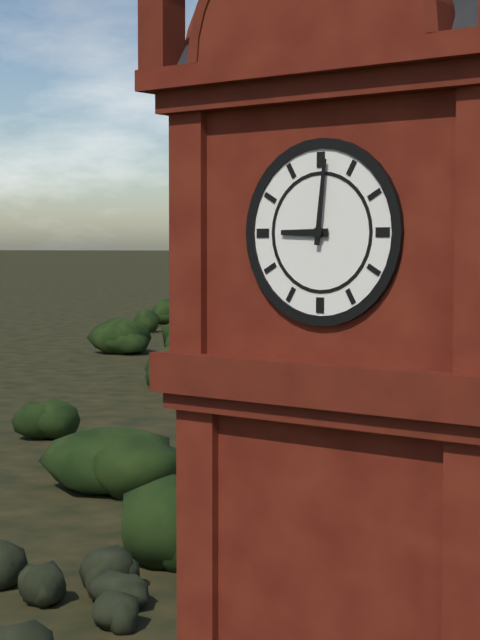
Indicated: **9:01**
